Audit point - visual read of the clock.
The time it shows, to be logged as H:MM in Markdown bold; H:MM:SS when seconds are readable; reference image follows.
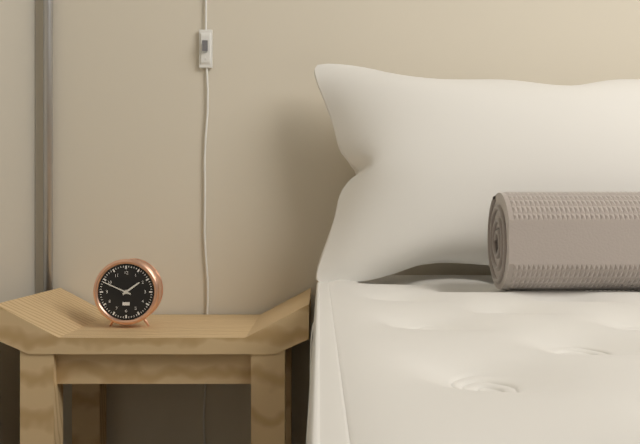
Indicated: **1:49**
